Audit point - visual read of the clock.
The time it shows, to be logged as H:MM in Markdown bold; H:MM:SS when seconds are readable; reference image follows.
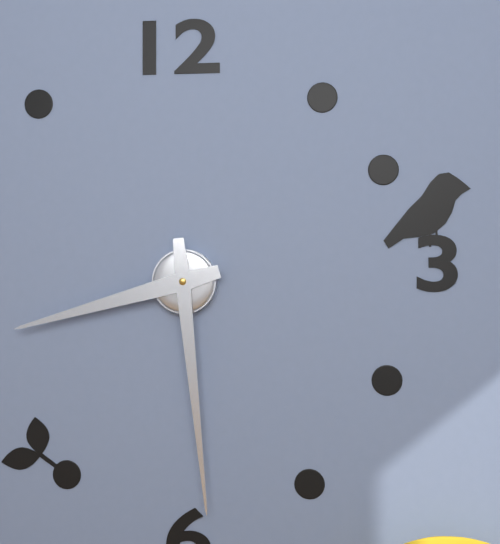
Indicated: **8:29**
